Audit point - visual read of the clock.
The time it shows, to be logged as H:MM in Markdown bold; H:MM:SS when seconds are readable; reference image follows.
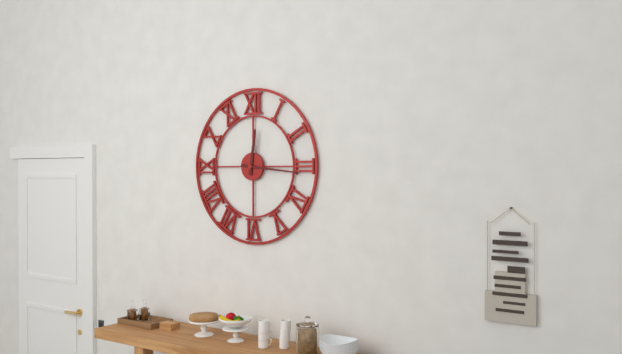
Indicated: **12:16**
